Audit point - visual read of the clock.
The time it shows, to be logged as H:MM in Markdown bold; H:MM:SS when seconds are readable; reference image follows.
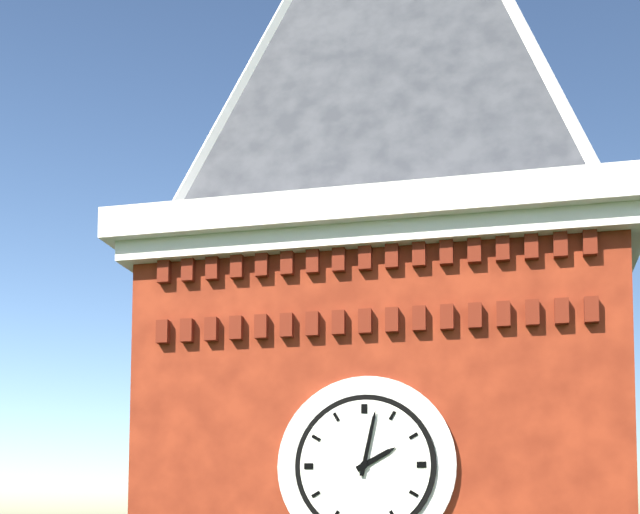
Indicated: **2:02**
